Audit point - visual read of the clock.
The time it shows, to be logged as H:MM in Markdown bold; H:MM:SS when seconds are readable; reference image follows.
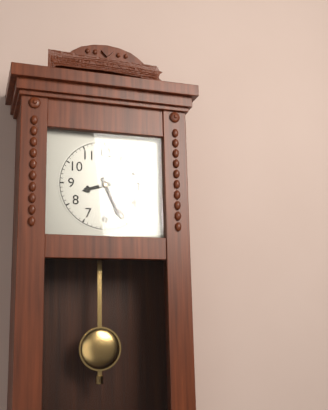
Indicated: **8:26**
